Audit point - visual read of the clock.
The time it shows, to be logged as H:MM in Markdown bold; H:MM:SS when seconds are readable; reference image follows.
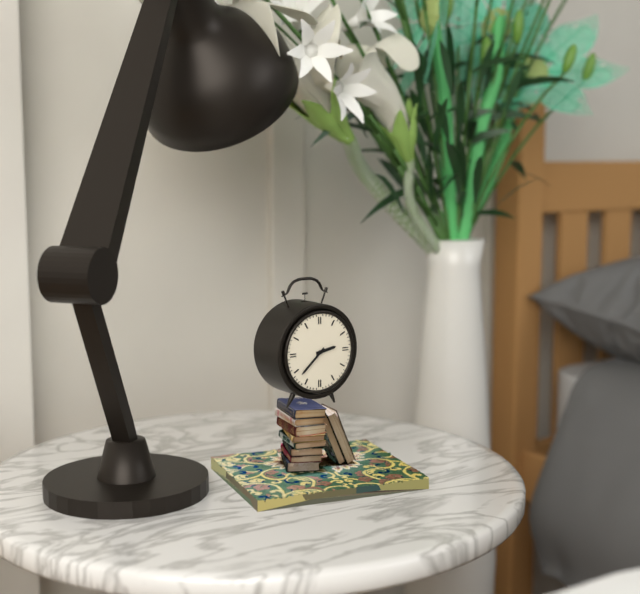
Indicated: **2:38**
